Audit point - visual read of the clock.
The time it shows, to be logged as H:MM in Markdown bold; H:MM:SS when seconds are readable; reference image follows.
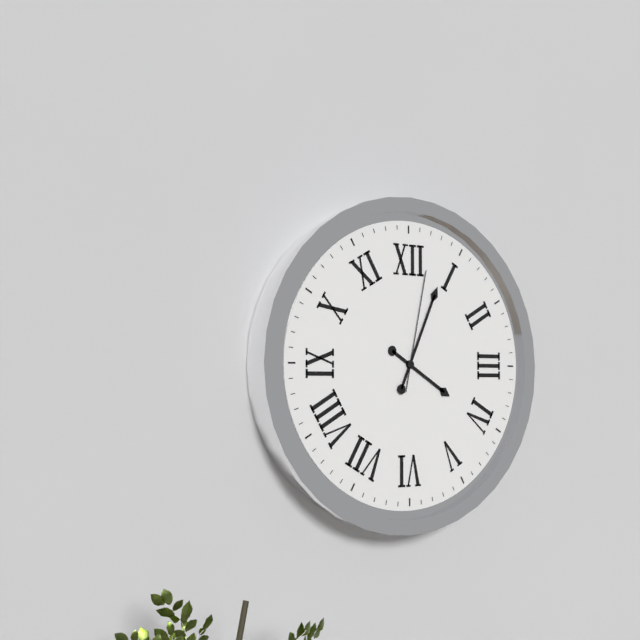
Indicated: **4:04:02**
